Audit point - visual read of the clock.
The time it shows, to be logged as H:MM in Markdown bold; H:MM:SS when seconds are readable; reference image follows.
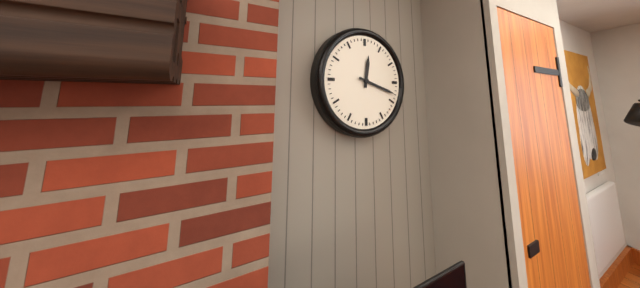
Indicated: **12:18**
